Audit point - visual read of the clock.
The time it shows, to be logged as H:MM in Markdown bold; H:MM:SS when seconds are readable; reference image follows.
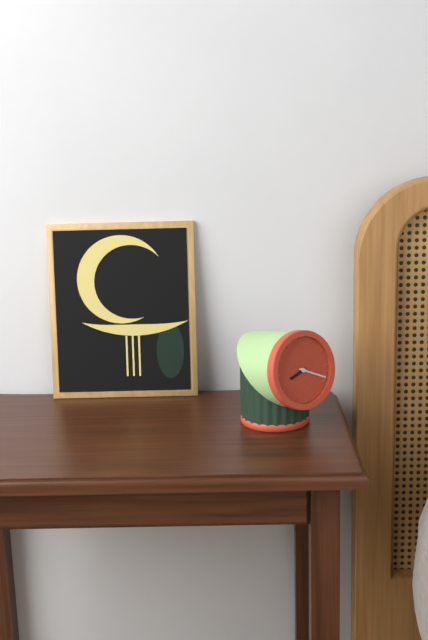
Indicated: **8:19**
